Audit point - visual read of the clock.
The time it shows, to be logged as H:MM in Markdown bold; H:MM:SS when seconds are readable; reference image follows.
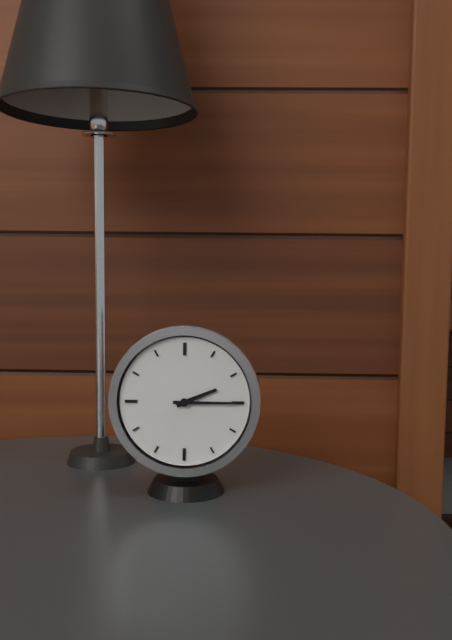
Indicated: **2:15**
